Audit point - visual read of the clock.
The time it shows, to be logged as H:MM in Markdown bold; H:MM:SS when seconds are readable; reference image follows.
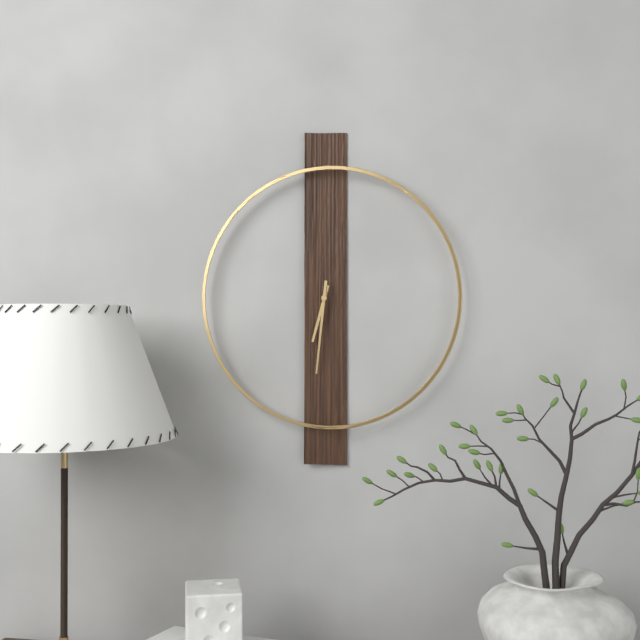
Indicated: **6:31**
